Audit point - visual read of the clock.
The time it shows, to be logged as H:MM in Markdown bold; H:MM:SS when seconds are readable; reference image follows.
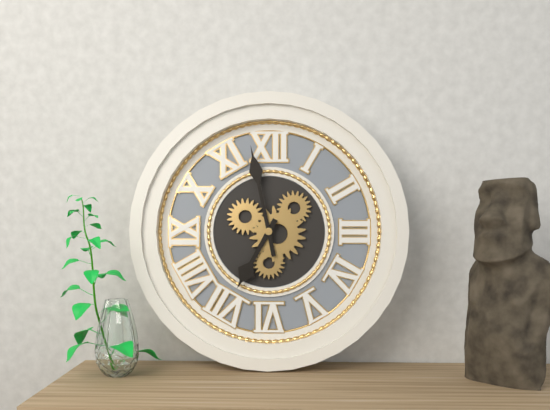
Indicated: **6:58**
